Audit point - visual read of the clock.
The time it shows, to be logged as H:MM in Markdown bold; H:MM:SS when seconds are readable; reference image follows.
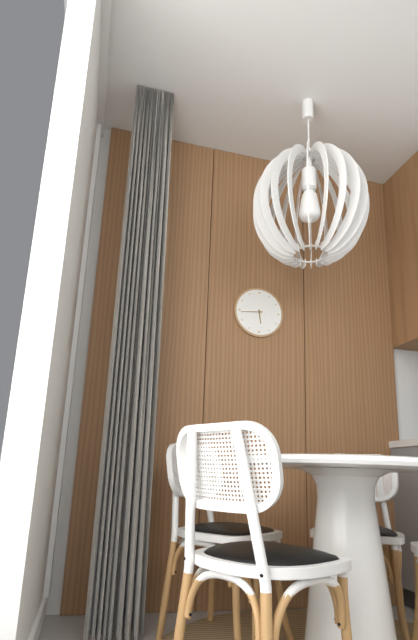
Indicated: **5:44**
